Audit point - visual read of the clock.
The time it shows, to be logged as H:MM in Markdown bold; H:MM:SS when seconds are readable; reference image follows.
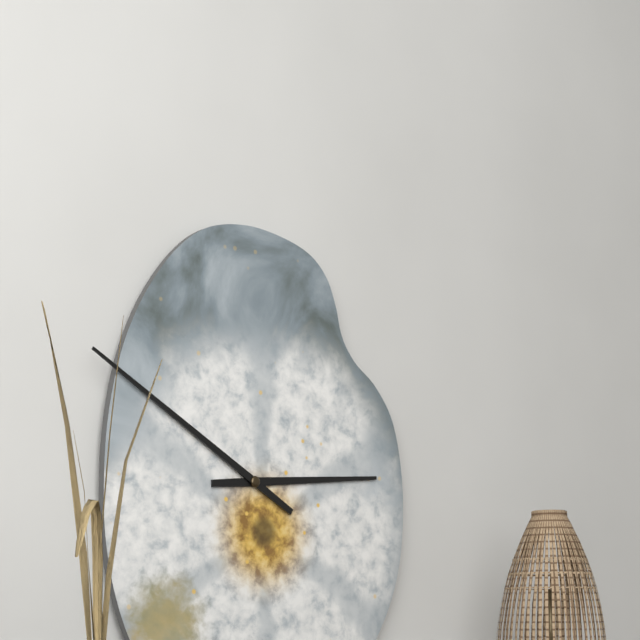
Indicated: **2:50**
